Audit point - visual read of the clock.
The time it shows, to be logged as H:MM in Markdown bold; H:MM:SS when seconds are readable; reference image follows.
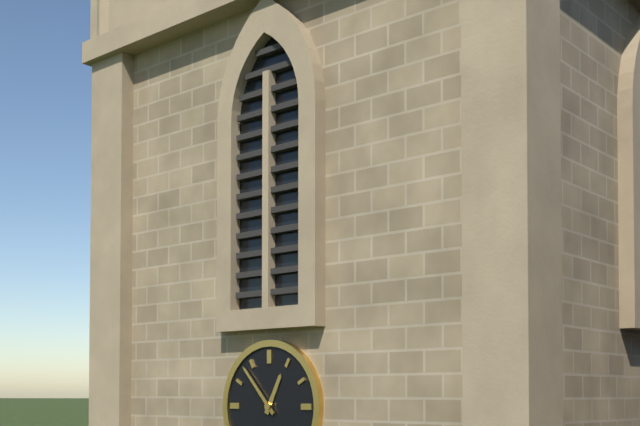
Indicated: **12:53**
